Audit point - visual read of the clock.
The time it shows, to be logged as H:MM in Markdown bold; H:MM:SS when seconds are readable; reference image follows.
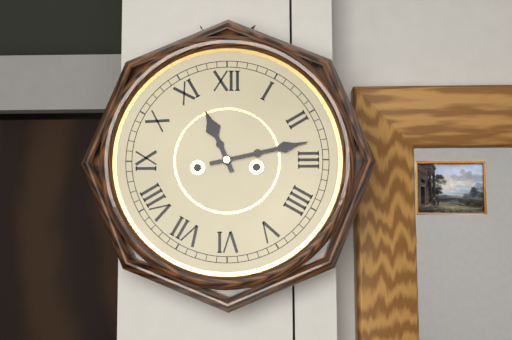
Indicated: **11:13**
